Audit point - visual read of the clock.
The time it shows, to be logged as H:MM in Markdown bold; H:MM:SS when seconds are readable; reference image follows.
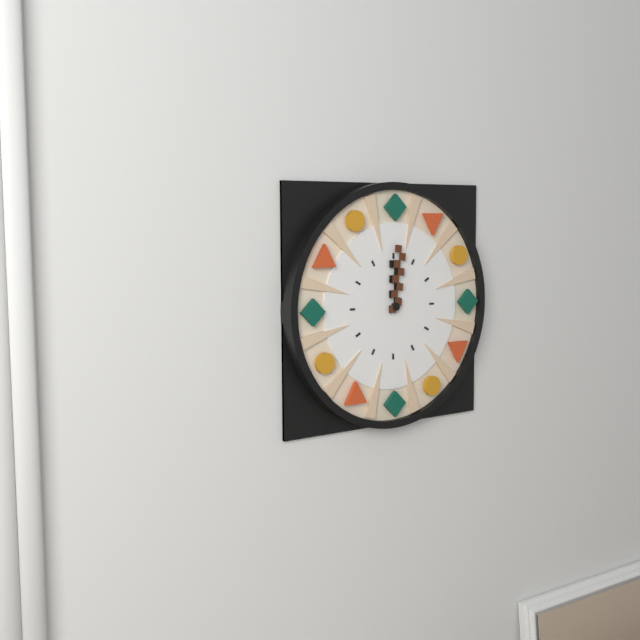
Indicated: **12:01**
